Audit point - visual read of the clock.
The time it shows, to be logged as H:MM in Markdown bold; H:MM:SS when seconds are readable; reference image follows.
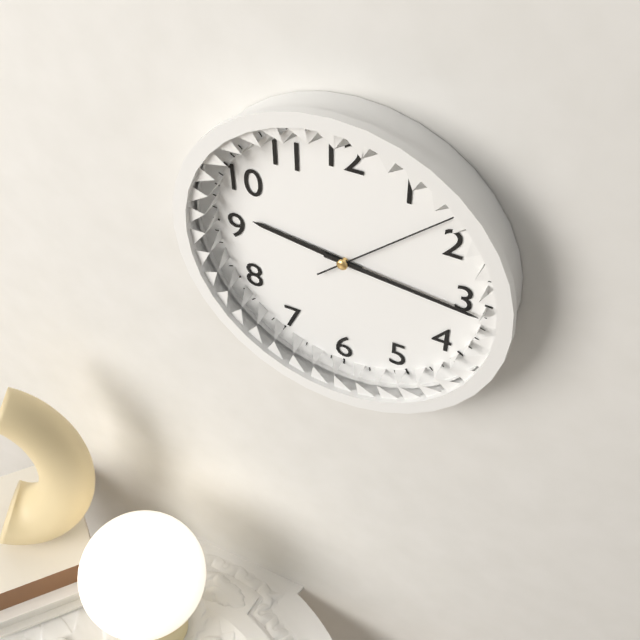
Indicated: **9:16:08**
